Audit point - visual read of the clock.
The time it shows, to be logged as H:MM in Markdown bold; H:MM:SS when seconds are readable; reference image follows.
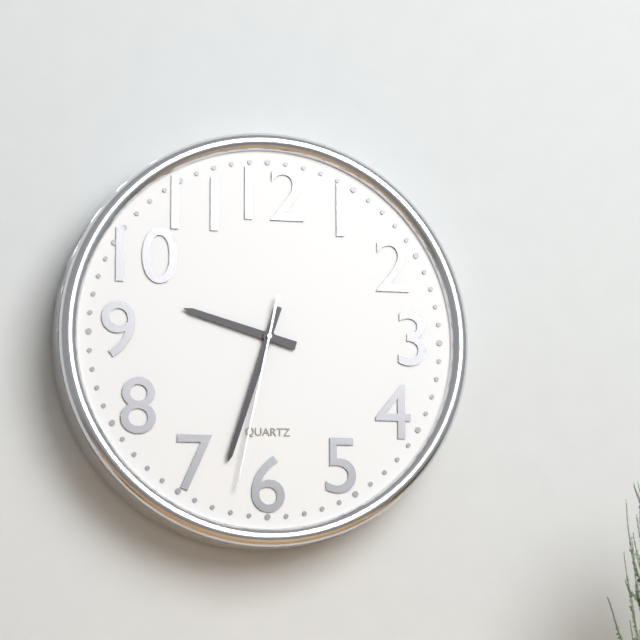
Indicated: **9:33:32**
